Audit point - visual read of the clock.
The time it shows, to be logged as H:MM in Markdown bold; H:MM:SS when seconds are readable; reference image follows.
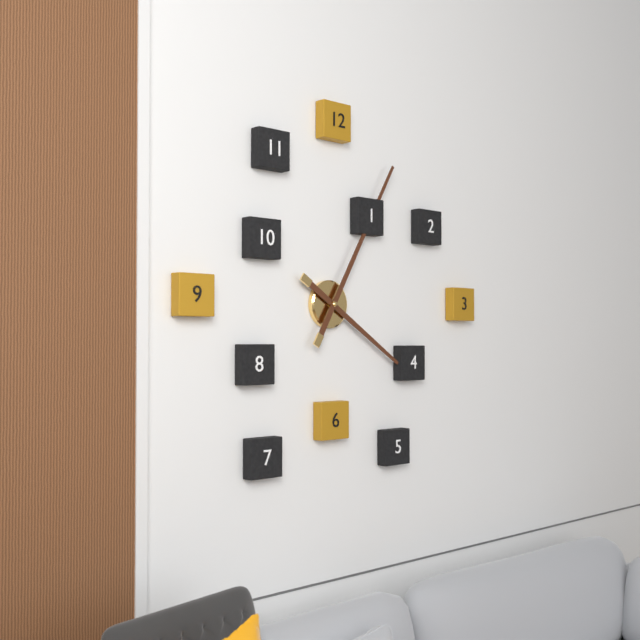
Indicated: **4:05**
